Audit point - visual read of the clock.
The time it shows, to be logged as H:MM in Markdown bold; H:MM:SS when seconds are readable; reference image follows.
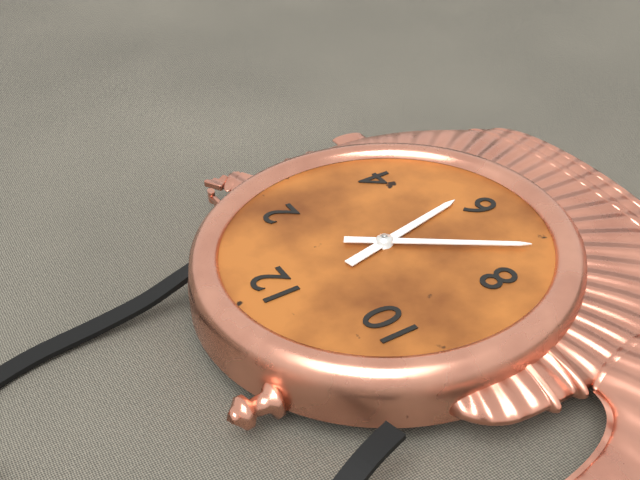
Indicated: **5:36**
